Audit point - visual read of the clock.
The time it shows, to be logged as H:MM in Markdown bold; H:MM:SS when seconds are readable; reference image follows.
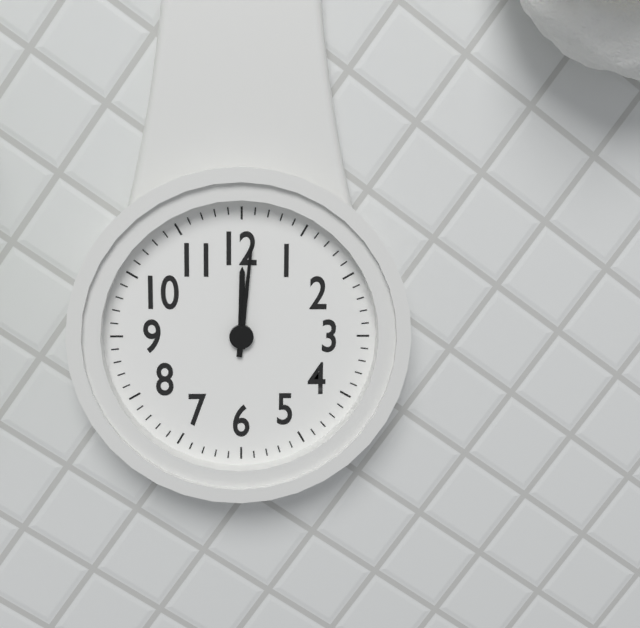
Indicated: **12:01**
